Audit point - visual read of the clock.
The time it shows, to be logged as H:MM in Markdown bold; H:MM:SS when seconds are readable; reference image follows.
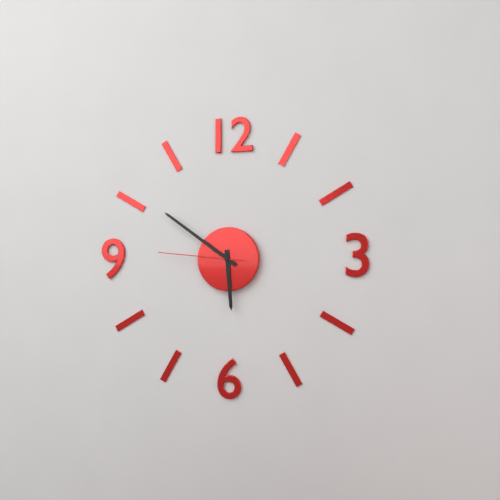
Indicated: **5:51:46**
